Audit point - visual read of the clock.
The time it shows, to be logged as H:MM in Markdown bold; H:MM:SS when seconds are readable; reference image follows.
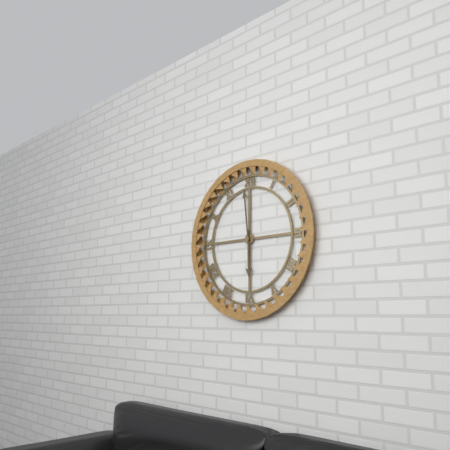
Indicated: **5:59**
